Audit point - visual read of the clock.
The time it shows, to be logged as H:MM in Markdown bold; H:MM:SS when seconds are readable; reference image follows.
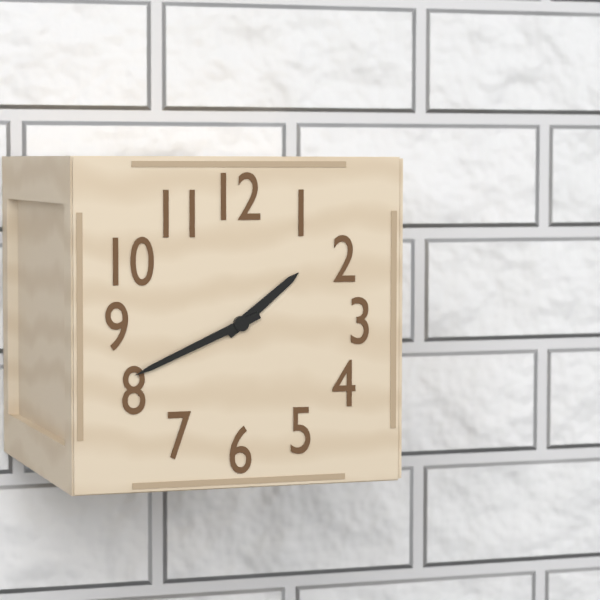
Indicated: **1:41**
